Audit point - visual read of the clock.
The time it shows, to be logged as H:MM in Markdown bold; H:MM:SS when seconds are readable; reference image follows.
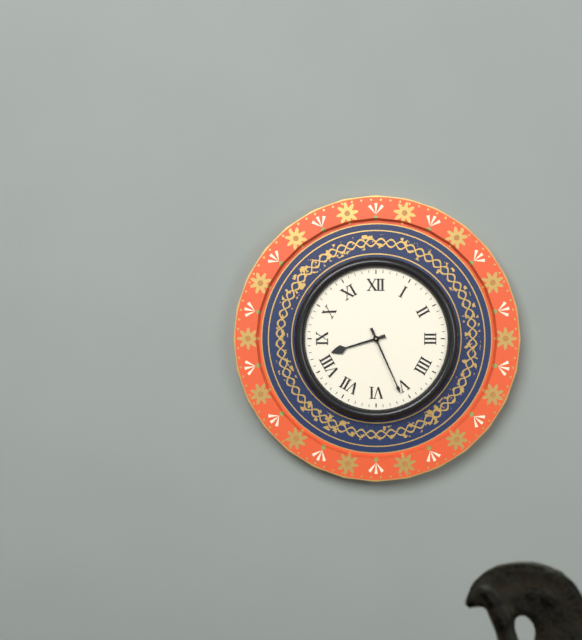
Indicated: **8:26**
